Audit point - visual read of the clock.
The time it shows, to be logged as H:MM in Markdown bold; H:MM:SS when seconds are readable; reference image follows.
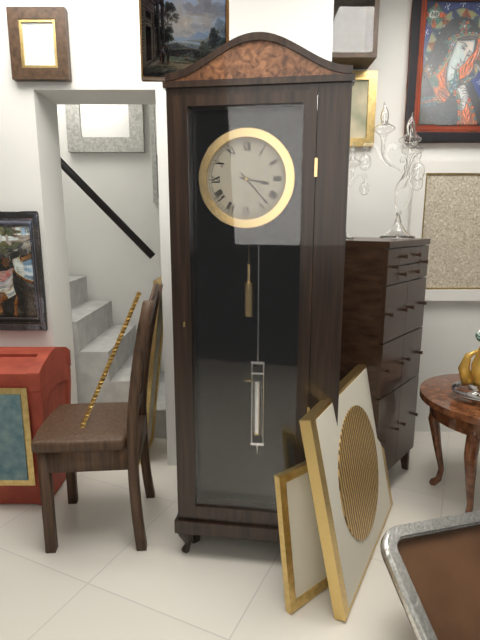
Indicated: **3:23**
